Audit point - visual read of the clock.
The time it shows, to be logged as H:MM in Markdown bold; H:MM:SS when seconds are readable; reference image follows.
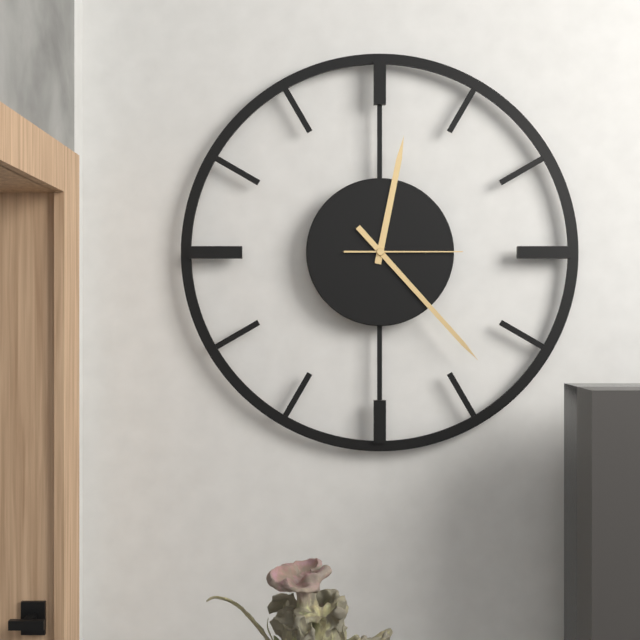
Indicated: **12:23:15**
